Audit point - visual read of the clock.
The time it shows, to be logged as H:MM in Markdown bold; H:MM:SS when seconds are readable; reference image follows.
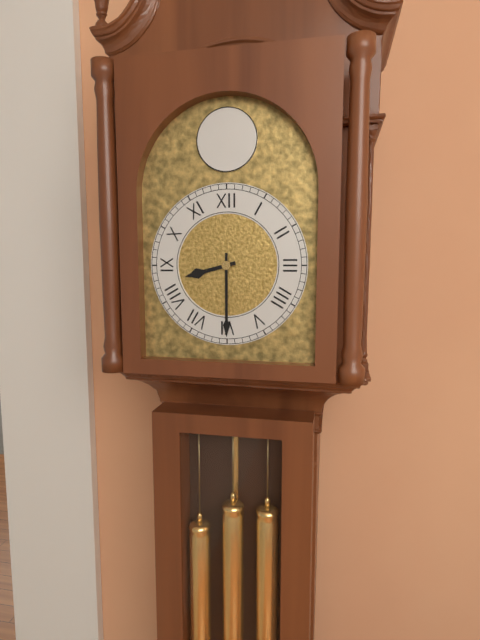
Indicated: **8:30**
